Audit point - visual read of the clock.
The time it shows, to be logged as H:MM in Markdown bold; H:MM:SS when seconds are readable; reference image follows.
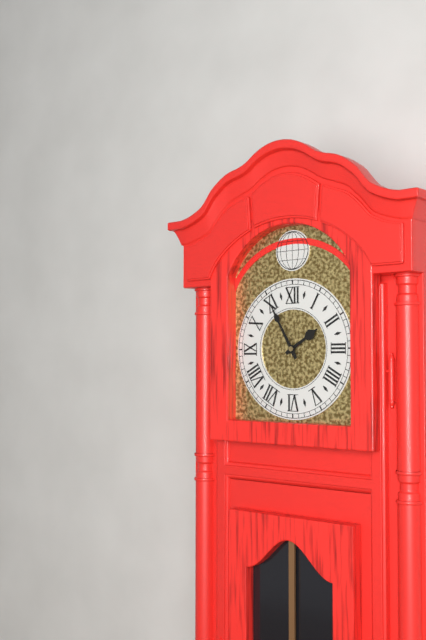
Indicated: **1:55**
